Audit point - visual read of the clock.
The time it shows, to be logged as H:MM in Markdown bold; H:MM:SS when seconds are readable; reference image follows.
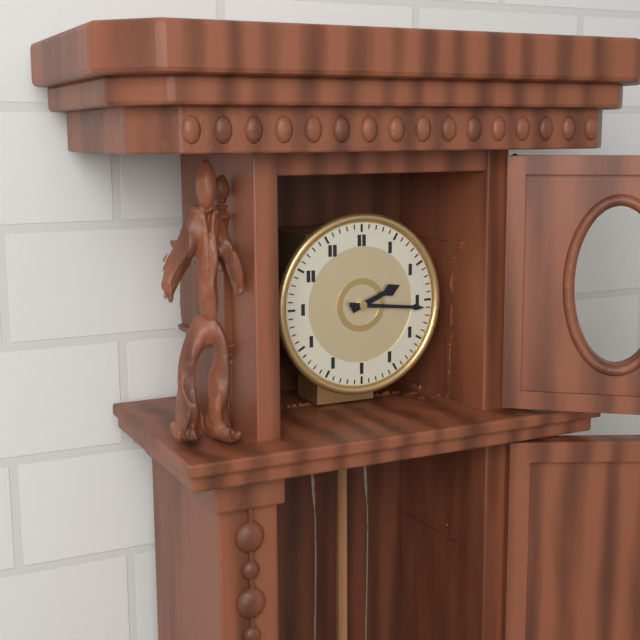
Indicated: **2:16**
